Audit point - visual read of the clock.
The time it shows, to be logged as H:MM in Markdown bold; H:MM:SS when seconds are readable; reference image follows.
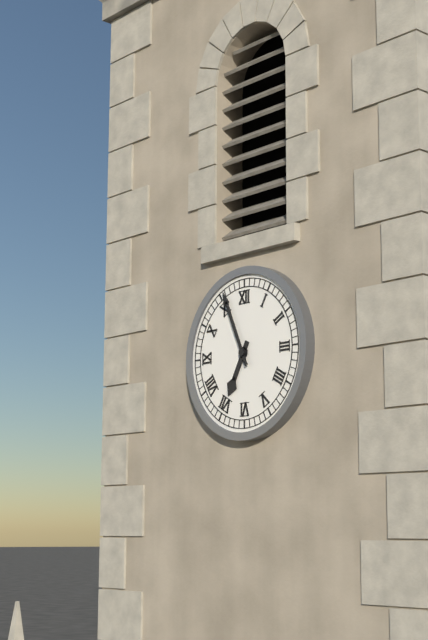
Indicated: **6:56**
